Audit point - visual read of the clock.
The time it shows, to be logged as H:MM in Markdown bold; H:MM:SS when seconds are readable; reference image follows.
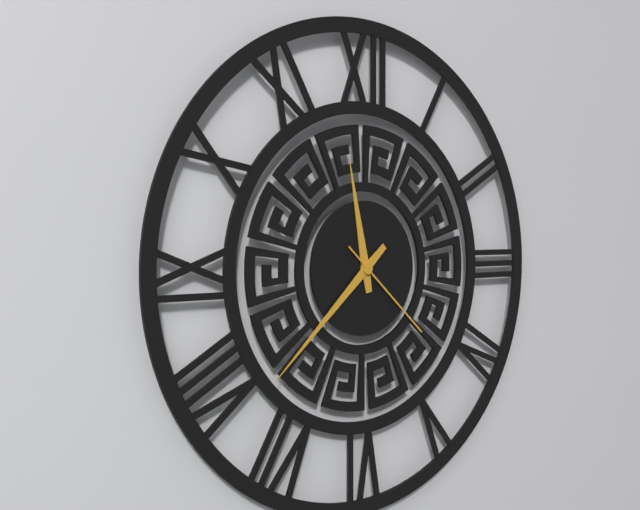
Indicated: **11:38:22**
